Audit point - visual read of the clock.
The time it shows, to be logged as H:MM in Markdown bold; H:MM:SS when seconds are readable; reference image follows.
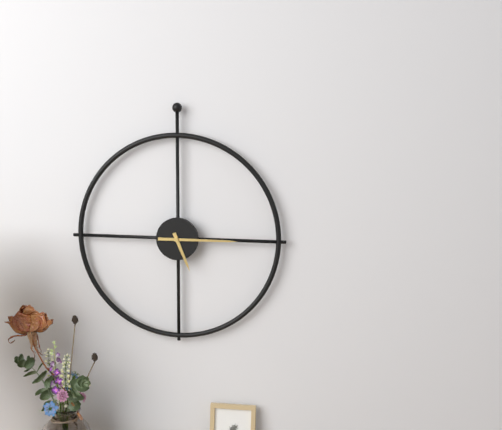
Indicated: **5:15**
